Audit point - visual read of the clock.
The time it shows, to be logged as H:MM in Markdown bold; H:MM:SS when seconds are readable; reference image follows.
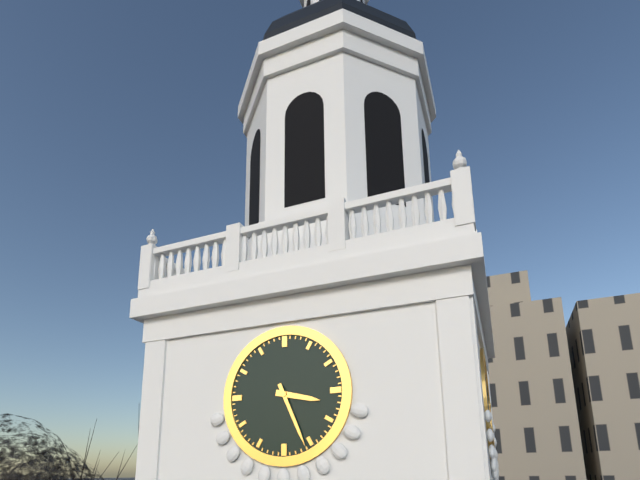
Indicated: **3:26**
